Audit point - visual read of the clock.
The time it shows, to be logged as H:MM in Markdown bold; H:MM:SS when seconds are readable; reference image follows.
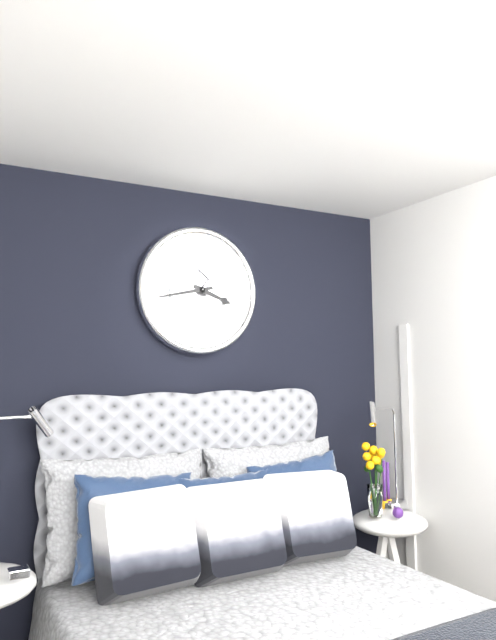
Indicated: **3:43**
